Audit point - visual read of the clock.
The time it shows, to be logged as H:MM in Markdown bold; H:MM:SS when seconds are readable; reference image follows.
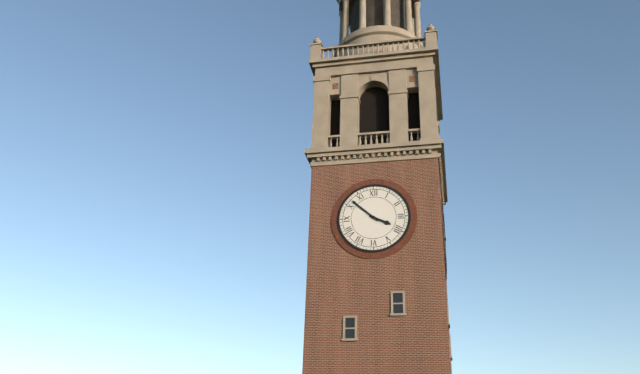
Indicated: **3:52**
